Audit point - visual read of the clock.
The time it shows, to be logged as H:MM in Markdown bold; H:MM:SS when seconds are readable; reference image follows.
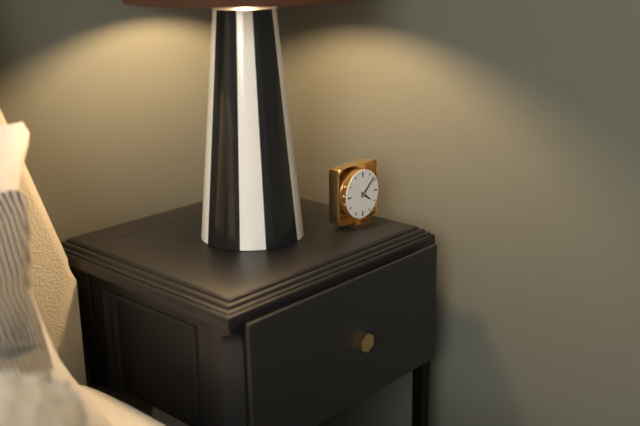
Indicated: **4:08**
